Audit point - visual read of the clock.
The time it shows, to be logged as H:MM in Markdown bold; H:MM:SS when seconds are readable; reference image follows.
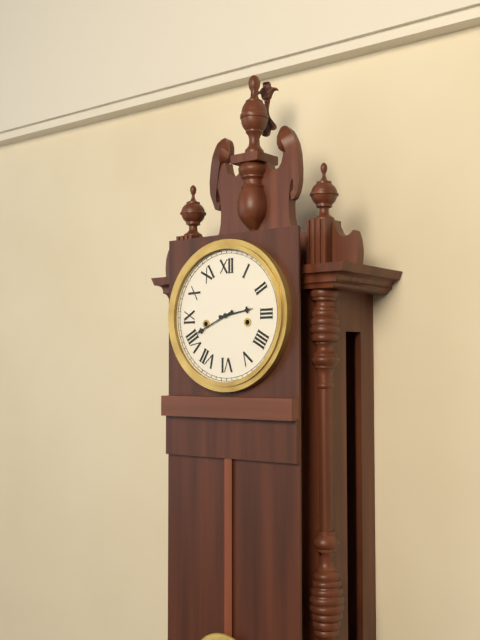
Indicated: **2:41**
